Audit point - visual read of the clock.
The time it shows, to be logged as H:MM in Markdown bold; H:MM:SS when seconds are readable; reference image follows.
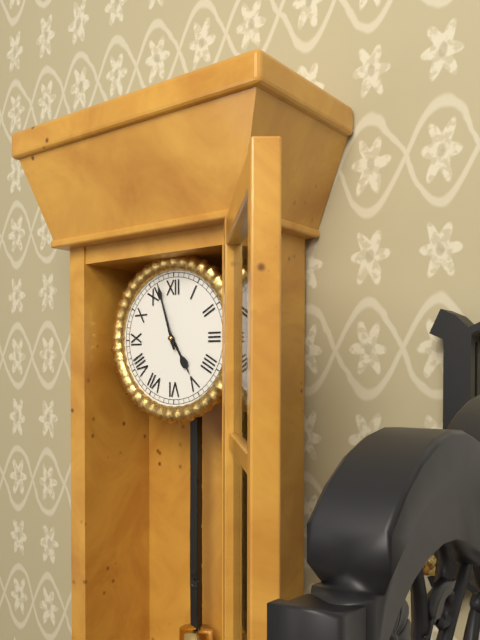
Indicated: **4:57**
